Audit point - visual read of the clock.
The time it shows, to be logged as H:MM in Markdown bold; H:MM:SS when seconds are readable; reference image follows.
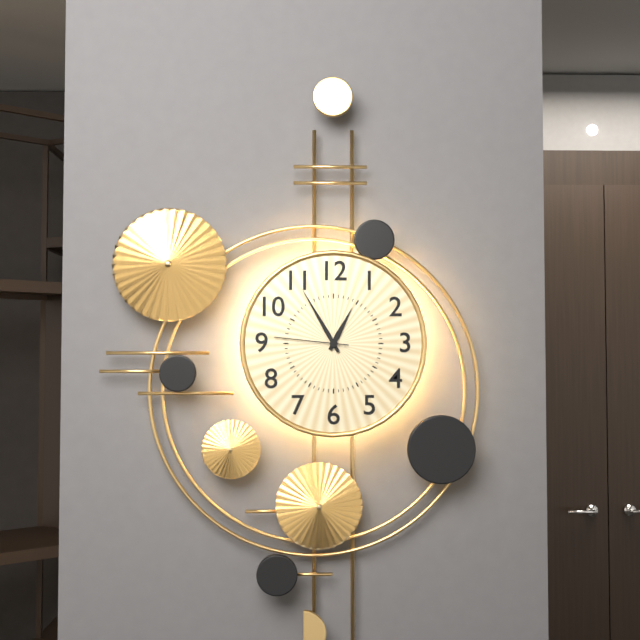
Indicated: **12:55:46**
